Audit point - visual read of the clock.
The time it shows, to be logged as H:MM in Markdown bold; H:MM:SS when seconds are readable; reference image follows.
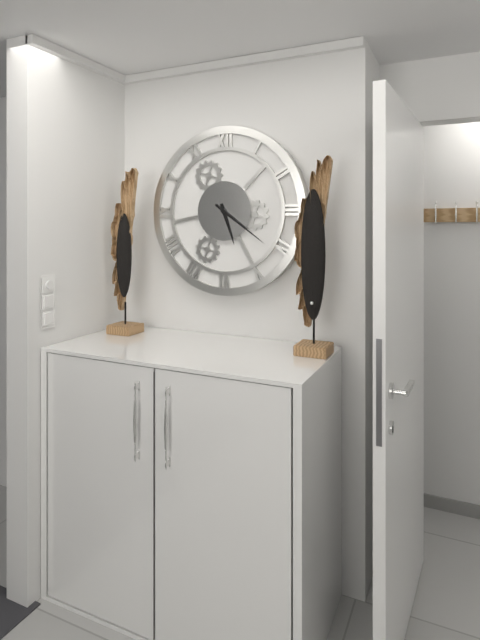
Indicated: **5:21**
